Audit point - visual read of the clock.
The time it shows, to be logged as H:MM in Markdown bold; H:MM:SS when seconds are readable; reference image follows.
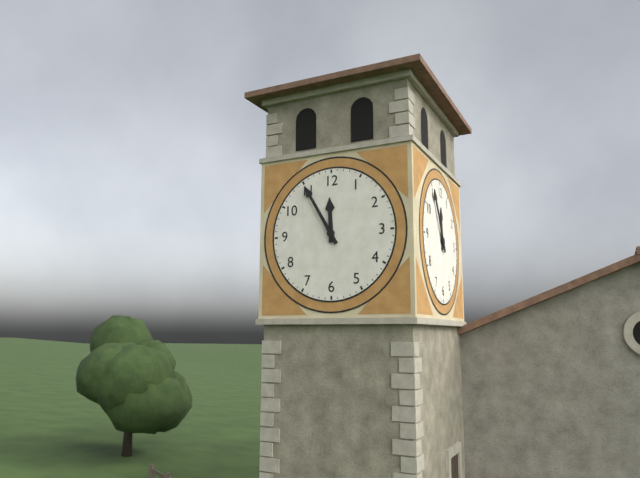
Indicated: **11:55**
